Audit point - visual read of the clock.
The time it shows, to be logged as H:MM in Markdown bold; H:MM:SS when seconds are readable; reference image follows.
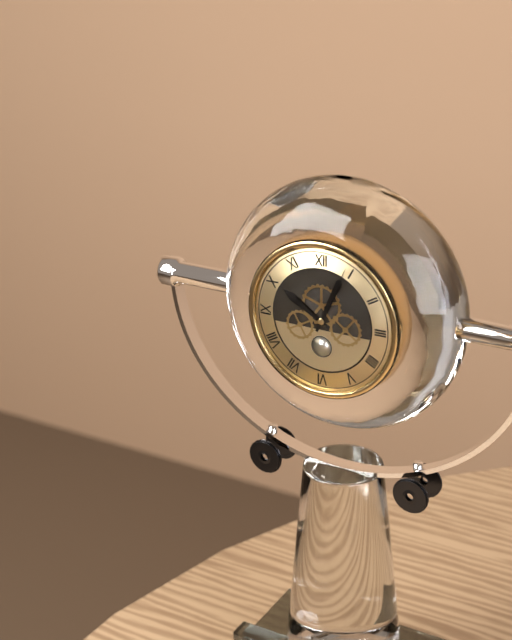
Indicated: **10:04**
